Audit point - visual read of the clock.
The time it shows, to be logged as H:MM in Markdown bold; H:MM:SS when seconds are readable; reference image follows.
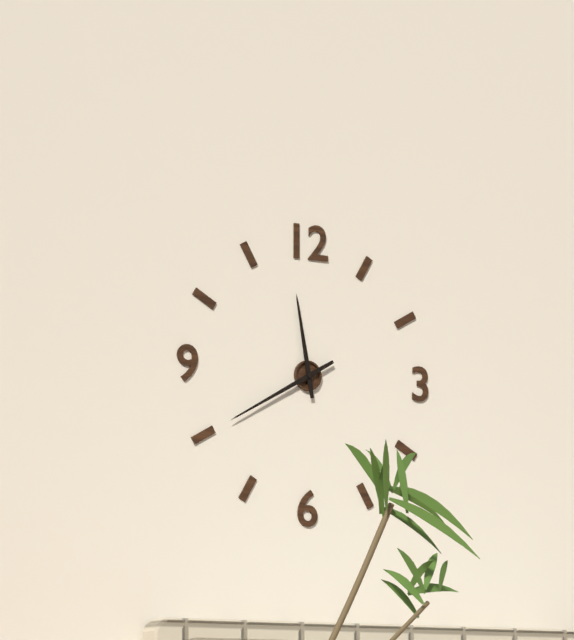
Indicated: **11:40**
